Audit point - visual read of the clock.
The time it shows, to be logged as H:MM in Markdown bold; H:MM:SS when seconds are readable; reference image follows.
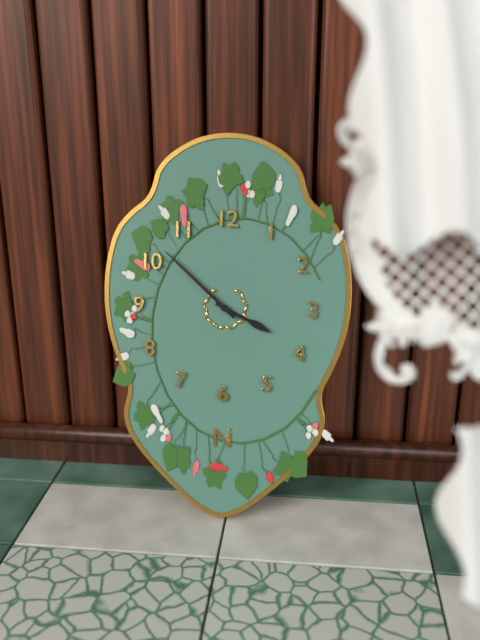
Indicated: **3:52**
